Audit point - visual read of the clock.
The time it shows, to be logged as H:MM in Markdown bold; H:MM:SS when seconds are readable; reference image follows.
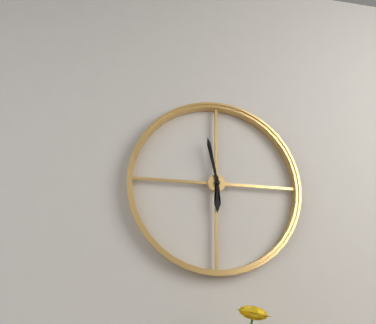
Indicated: **5:58**
